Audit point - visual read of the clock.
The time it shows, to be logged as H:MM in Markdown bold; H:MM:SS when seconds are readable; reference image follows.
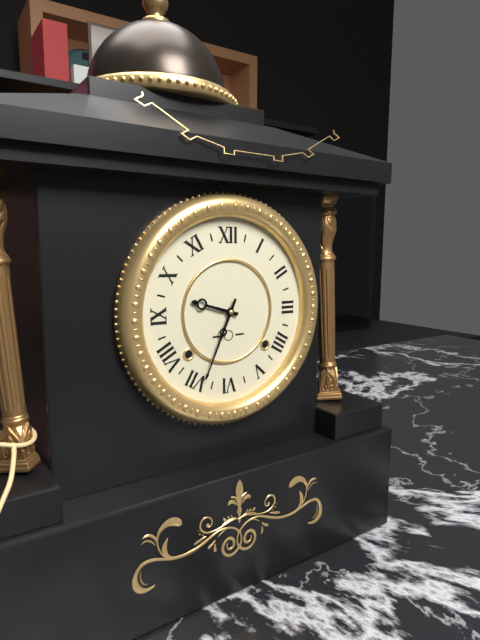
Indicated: **9:34**
